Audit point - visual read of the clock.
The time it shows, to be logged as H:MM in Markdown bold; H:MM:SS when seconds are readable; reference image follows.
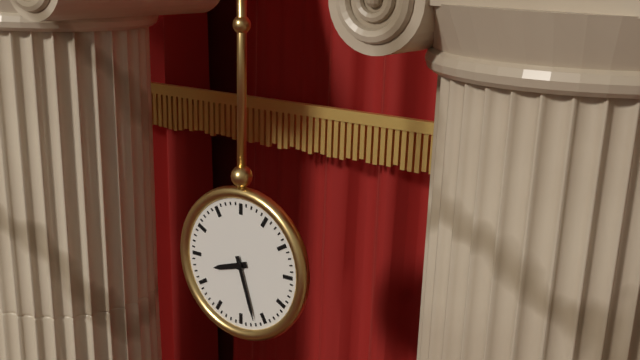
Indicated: **8:27**
